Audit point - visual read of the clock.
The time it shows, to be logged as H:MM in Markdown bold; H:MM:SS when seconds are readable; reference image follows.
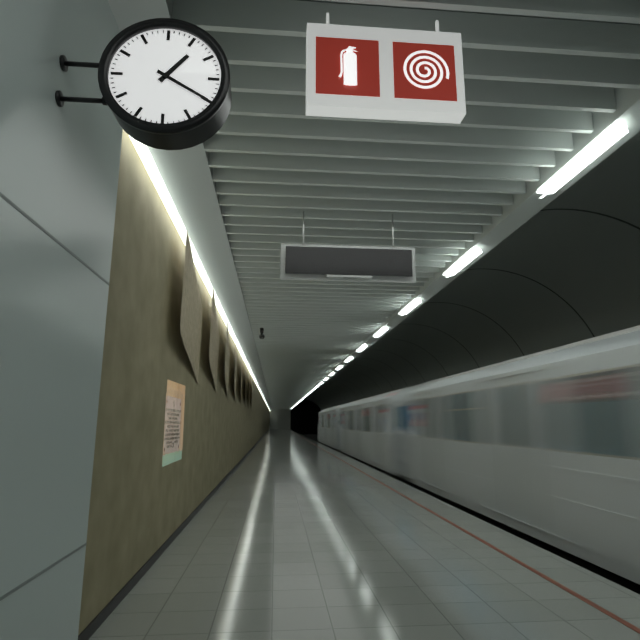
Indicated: **1:20**
